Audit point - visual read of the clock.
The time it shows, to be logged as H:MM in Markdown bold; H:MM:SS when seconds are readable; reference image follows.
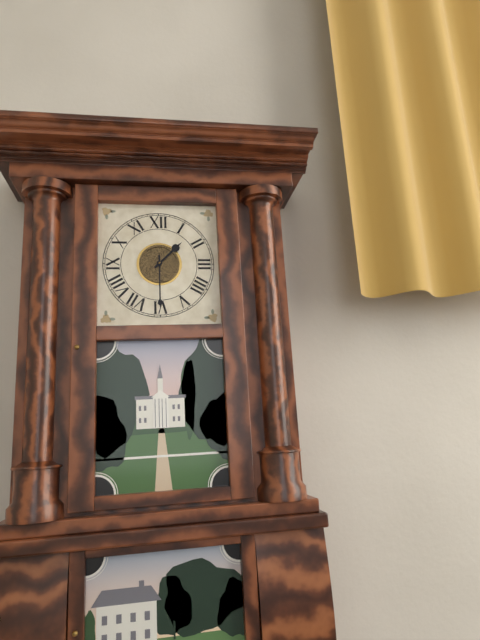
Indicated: **1:30**
